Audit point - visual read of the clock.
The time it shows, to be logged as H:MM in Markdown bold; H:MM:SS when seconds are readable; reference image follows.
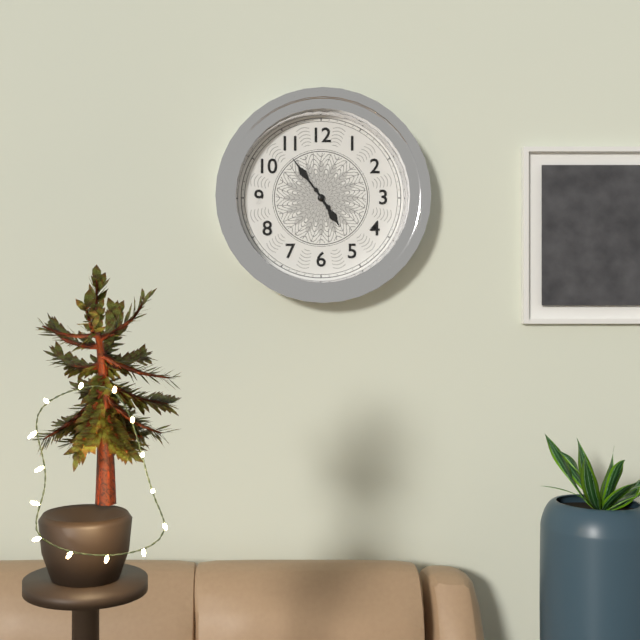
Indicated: **4:54**
